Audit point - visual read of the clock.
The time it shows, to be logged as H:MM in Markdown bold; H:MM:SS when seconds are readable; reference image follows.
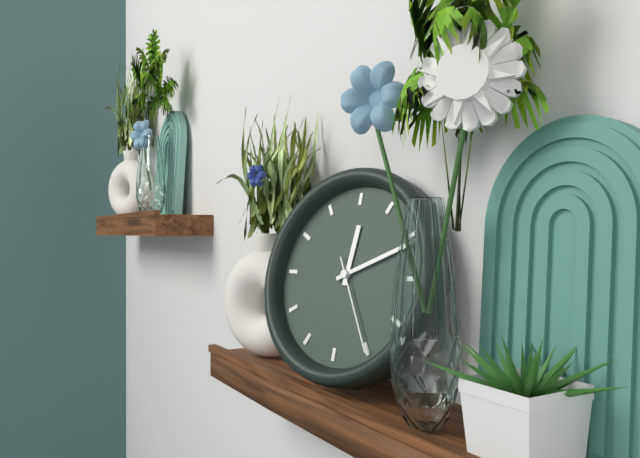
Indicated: **12:11:25**
